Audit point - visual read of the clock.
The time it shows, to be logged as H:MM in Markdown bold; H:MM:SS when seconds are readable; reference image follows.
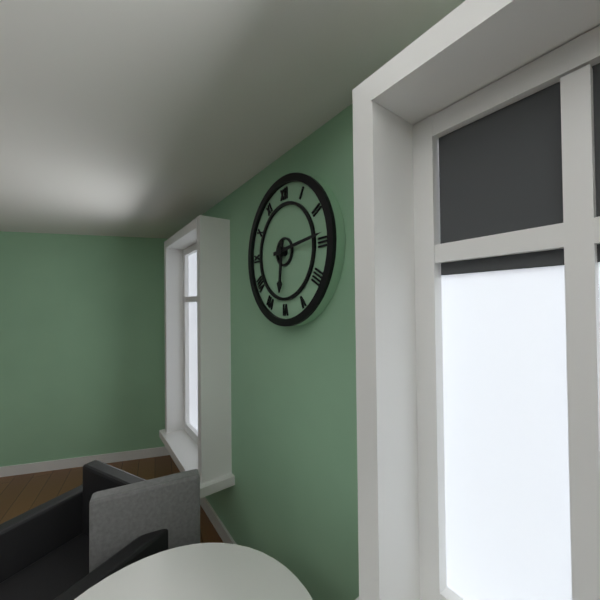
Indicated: **6:14**
